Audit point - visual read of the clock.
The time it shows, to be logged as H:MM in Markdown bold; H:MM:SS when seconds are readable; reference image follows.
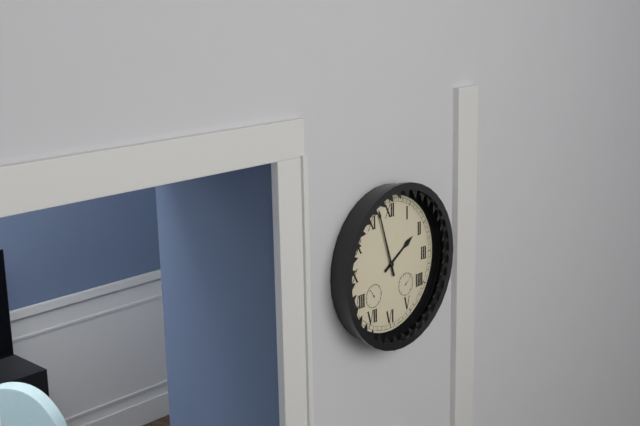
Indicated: **1:57**
